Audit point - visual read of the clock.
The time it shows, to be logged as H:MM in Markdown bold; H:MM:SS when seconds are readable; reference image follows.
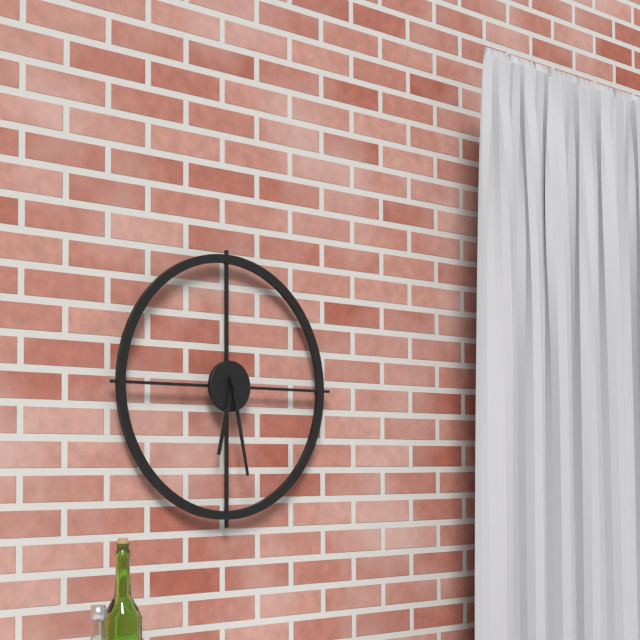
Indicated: **6:28**
